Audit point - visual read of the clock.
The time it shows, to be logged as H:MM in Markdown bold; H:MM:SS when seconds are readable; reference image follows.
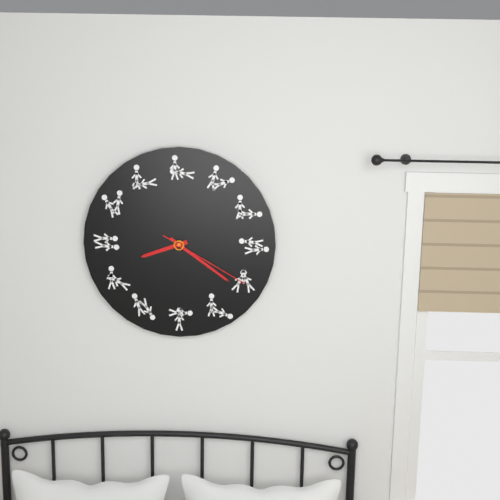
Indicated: **8:21:20**
